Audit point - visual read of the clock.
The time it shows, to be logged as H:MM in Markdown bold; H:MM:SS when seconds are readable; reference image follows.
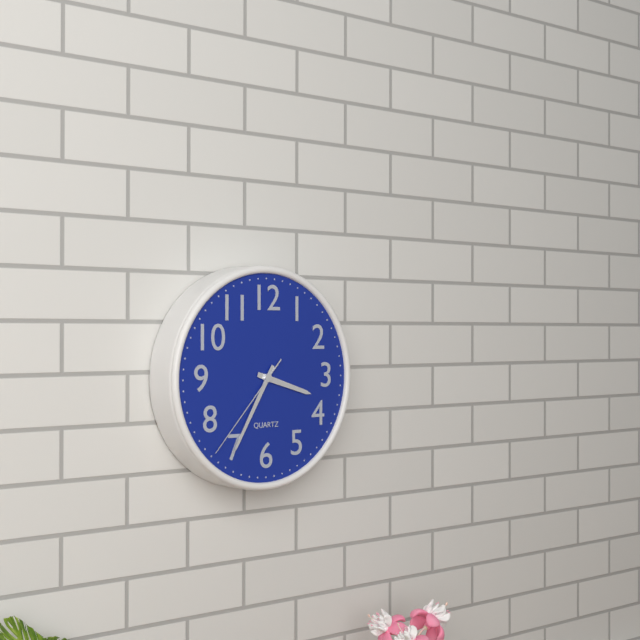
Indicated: **3:35:37**
